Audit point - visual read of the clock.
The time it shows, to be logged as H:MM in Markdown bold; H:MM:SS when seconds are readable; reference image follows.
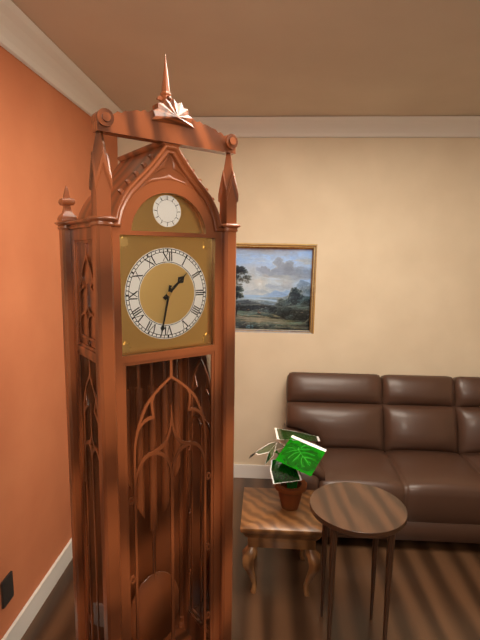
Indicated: **1:32**
